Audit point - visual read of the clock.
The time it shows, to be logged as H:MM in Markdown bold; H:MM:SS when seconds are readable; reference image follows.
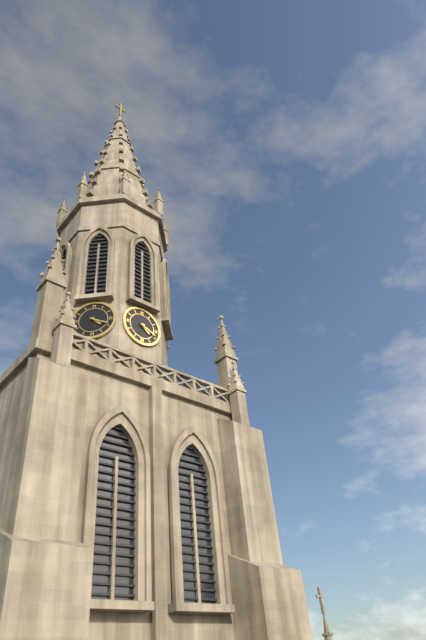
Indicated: **4:19**
